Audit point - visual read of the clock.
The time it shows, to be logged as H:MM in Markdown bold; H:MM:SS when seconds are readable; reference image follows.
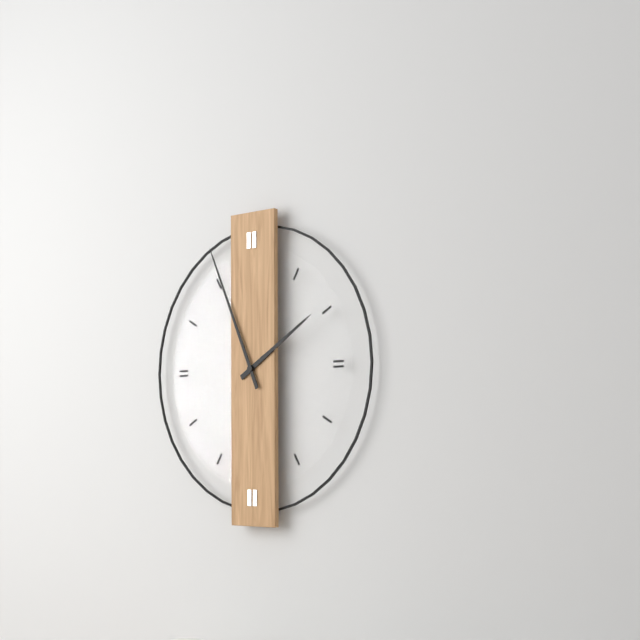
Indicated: **1:56**
